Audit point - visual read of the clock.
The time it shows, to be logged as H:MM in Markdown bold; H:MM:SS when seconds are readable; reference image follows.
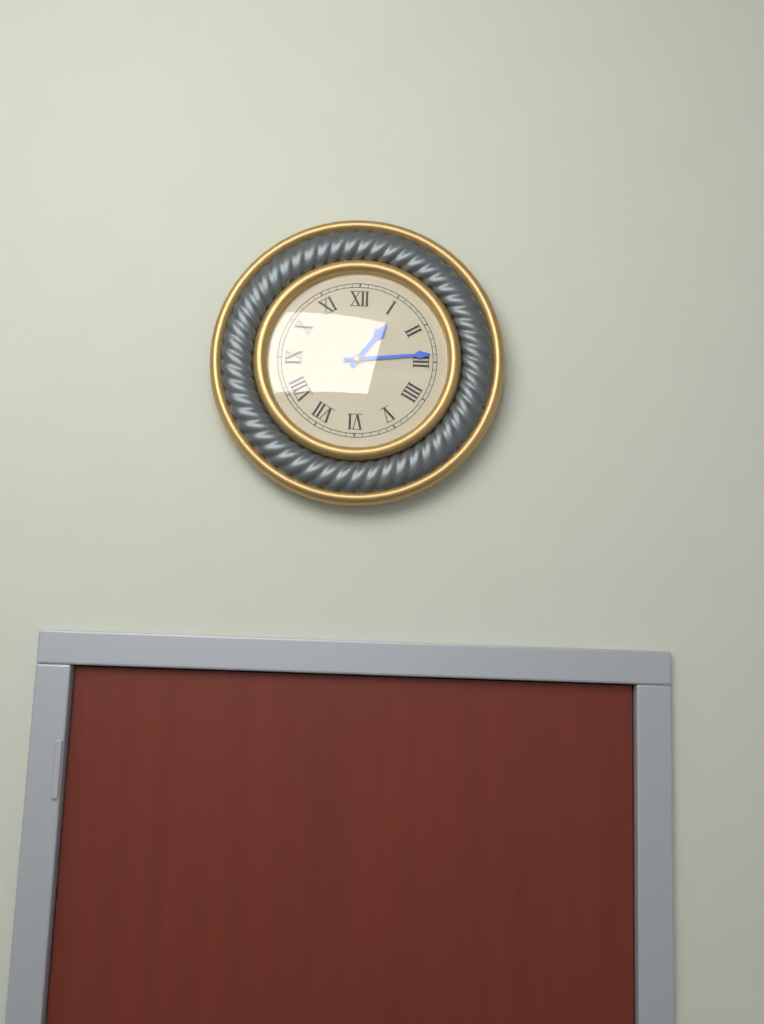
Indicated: **1:14**
